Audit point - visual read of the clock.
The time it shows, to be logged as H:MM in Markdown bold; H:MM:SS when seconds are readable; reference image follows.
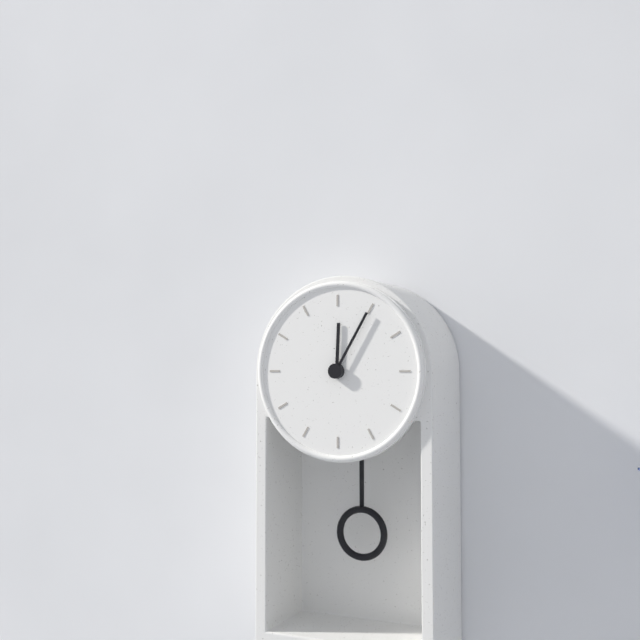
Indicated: **12:05**
